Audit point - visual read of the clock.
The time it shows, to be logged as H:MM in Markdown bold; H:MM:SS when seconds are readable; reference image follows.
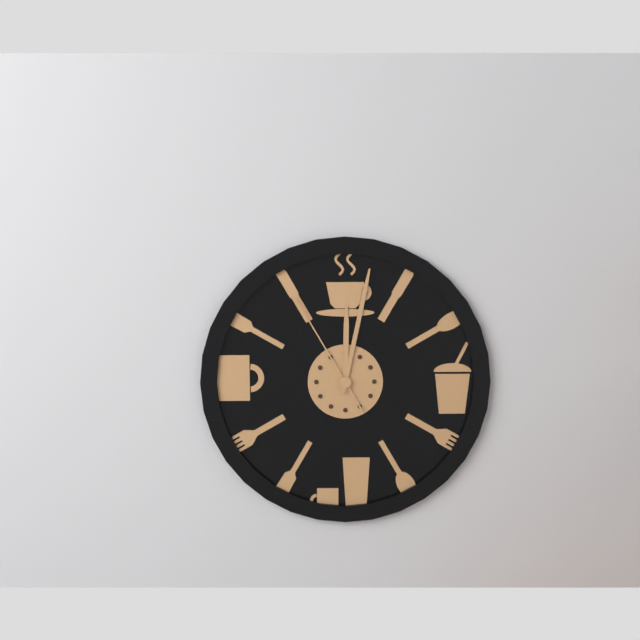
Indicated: **12:02:55**
